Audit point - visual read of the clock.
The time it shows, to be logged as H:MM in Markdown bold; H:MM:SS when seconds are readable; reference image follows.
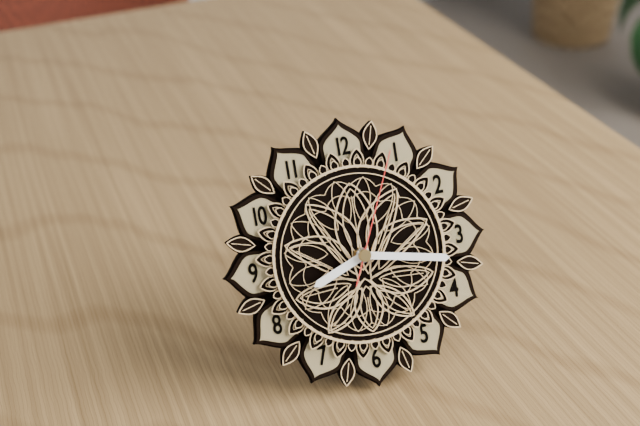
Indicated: **8:17:04**
